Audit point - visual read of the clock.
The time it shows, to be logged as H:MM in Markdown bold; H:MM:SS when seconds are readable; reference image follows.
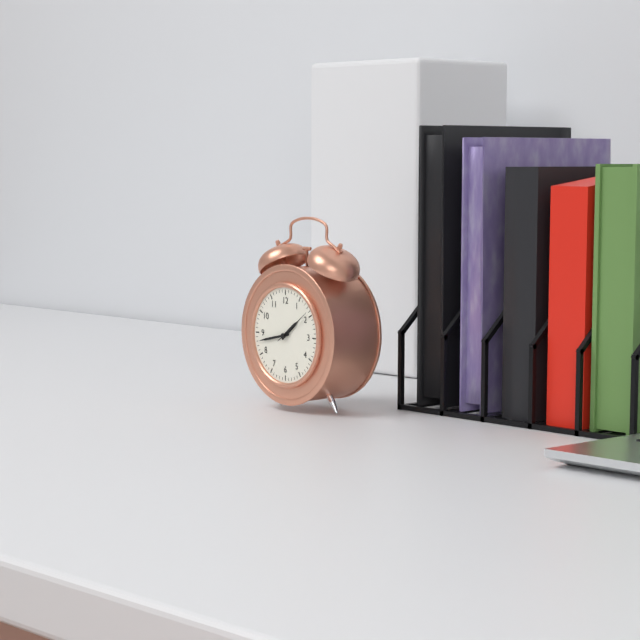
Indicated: **1:43**
